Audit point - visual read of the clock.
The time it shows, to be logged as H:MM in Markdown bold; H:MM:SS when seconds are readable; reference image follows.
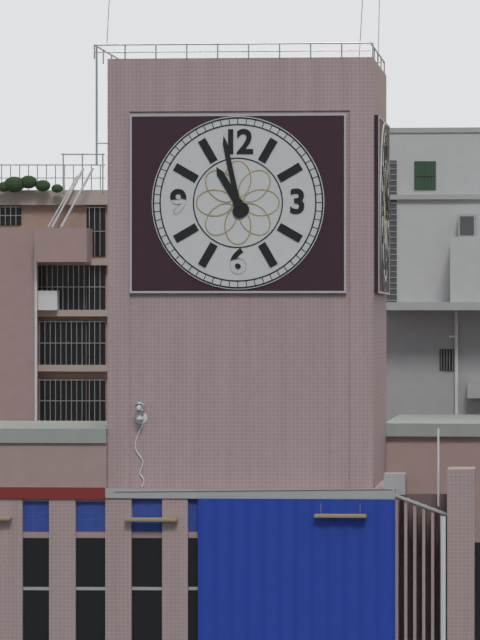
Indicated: **10:58**
